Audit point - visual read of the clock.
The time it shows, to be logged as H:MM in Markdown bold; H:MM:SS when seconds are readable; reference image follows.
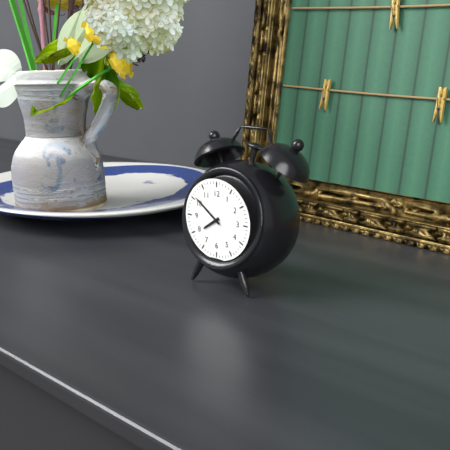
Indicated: **7:51**
